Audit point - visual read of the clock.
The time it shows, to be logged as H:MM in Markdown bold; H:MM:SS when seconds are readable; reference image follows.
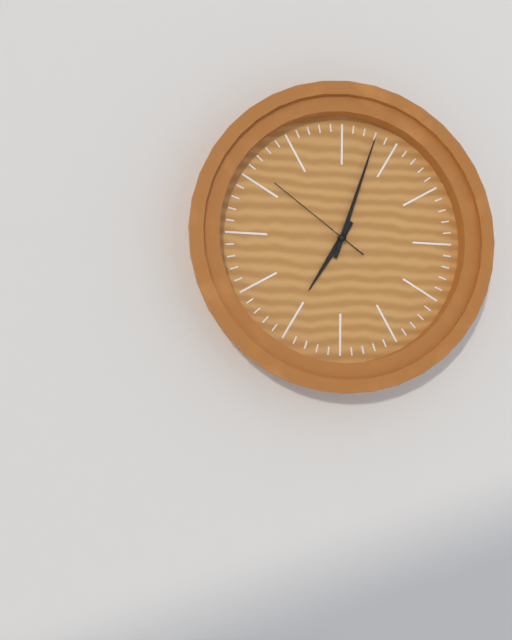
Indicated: **7:03:51**
